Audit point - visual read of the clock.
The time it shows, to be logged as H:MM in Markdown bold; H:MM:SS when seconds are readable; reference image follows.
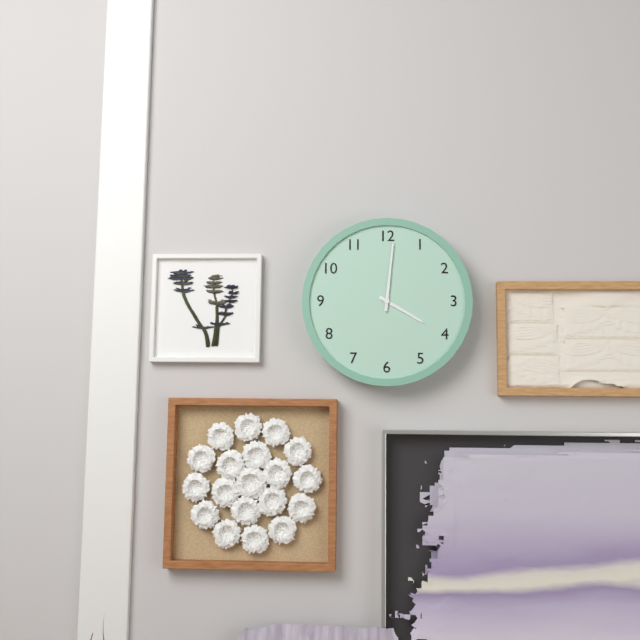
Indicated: **4:01**
